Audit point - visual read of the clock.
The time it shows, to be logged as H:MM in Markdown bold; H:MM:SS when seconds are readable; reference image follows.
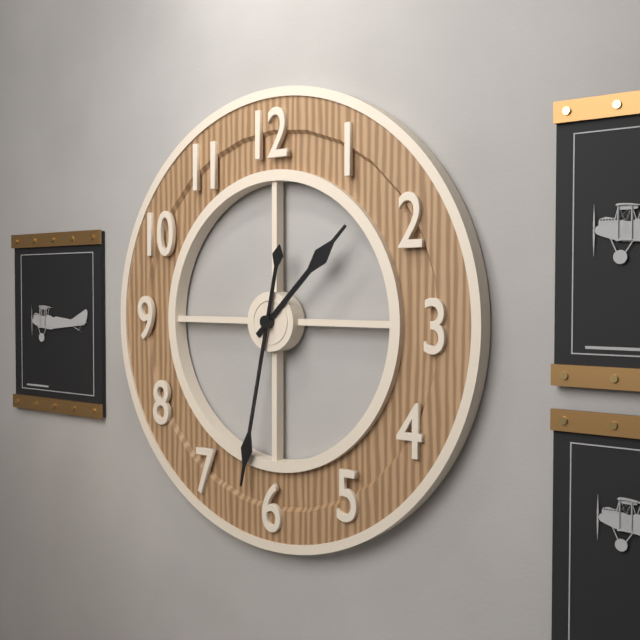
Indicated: **1:32**
